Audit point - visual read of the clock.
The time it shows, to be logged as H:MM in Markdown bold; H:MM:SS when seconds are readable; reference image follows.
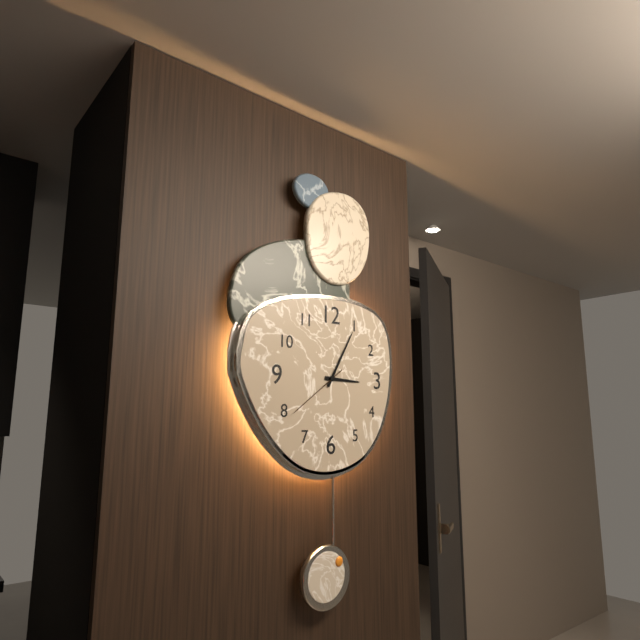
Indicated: **3:05:39**
